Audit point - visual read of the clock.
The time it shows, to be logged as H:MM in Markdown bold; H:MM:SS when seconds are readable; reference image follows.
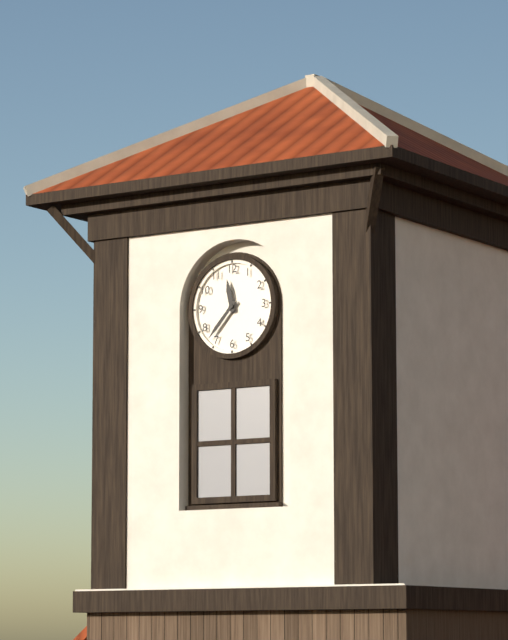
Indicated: **11:37**
